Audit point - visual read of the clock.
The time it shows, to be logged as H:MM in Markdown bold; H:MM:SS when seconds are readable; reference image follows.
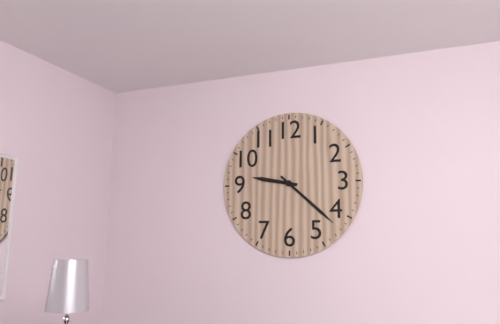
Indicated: **9:22**
